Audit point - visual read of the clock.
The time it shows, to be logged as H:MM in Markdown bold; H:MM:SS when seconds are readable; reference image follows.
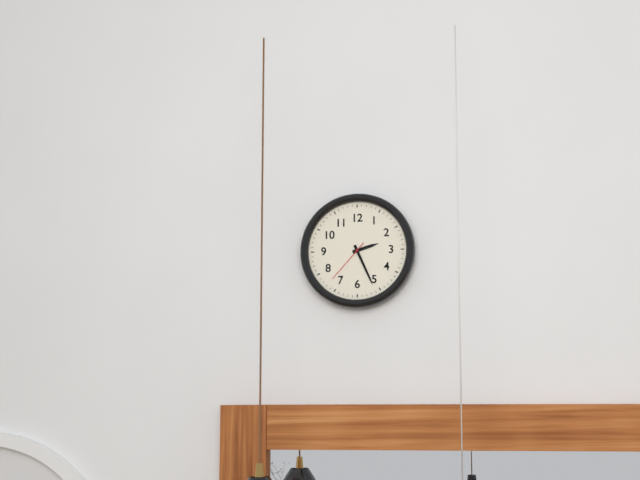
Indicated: **2:26**
